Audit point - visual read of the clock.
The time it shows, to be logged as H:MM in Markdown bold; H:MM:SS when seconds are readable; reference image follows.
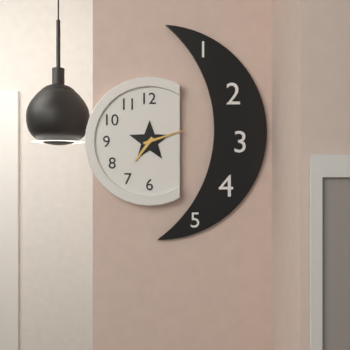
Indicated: **7:12**
